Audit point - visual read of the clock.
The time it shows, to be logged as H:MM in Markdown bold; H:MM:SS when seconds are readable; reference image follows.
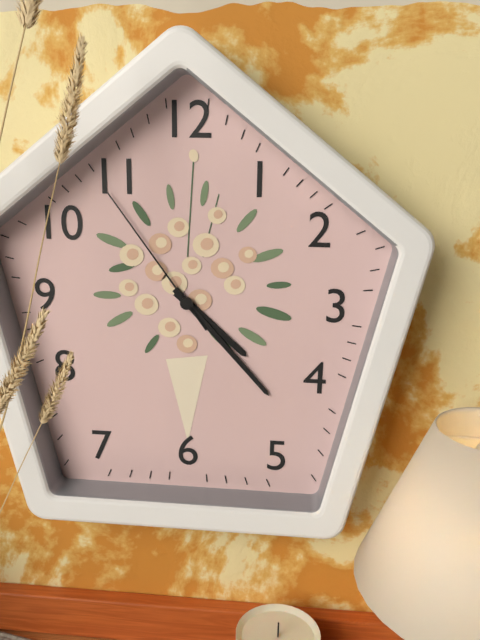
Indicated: **4:23:54**
